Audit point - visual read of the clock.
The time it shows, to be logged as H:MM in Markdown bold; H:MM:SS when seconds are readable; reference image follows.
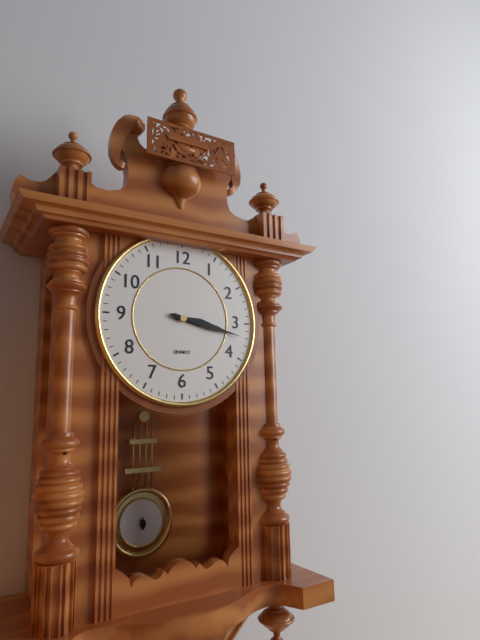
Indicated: **3:17**
